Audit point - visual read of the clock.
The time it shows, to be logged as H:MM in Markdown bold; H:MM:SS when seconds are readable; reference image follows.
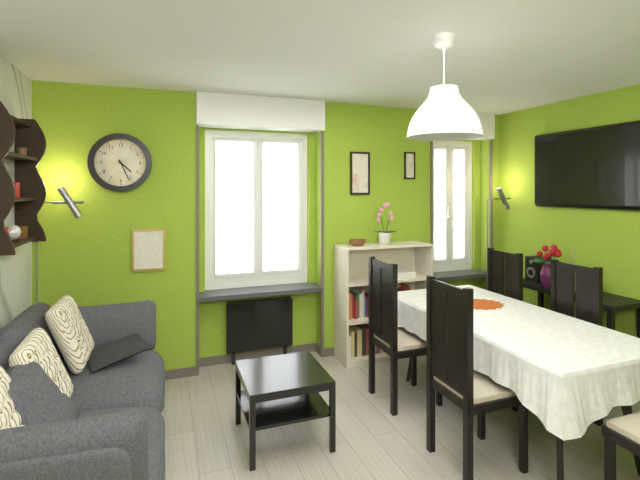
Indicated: **4:26**
